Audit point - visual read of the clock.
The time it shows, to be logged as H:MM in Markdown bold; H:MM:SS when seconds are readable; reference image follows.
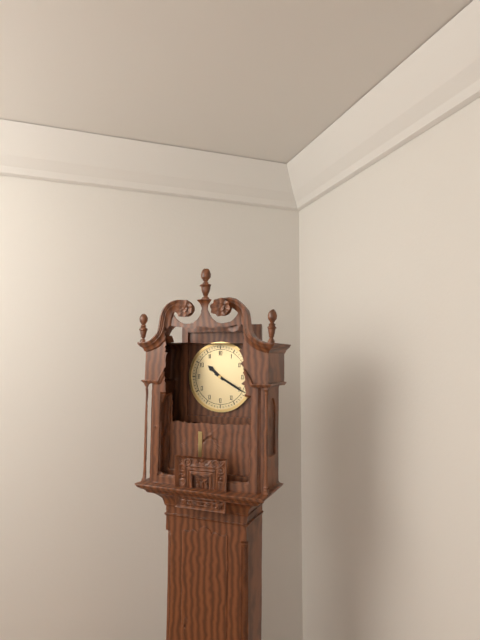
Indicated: **10:20**
